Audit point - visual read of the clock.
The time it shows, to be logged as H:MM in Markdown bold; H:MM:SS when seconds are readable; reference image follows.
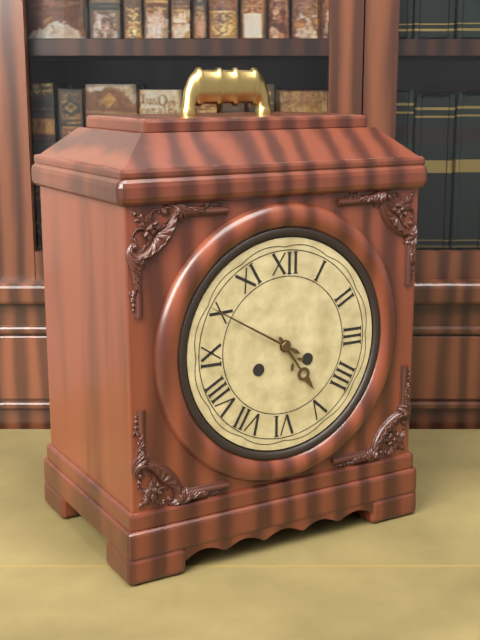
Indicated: **4:50**
